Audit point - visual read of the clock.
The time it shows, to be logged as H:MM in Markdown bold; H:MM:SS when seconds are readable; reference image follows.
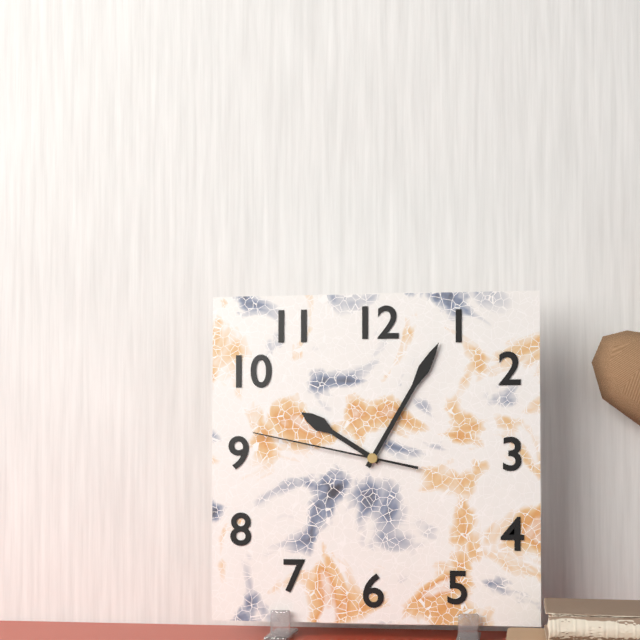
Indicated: **10:05:47**
